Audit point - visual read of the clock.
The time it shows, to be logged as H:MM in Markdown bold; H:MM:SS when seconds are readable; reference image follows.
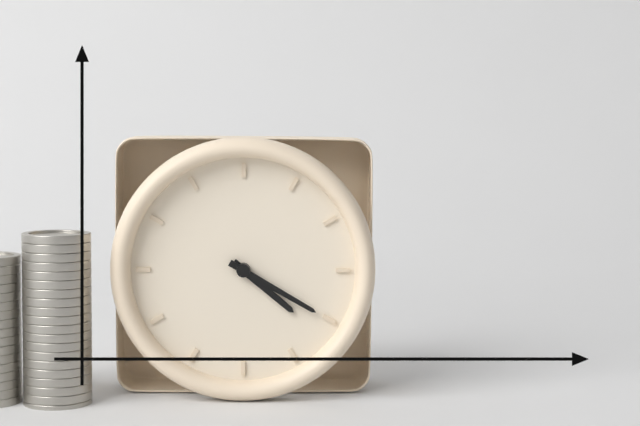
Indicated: **4:20**
